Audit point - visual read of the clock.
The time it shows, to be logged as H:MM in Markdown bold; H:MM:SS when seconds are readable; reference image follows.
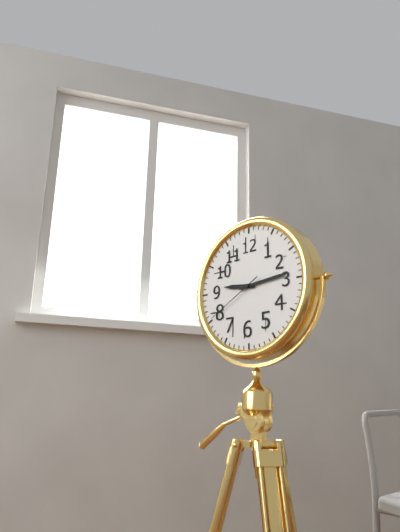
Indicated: **9:14:40**
